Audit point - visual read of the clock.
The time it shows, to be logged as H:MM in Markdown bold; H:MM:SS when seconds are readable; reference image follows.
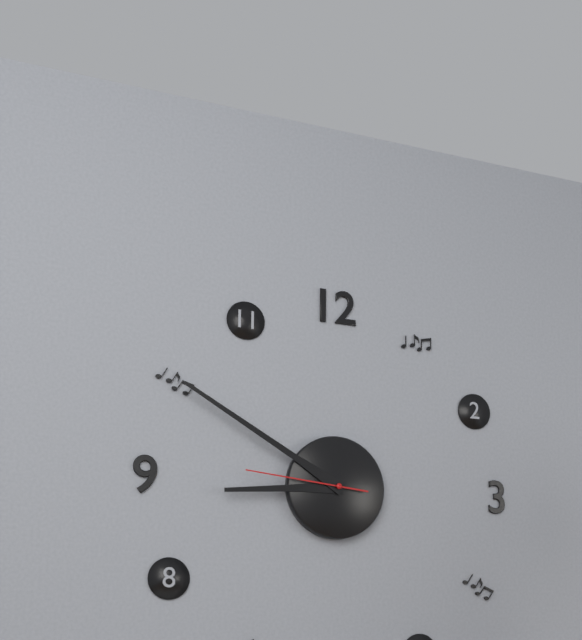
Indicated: **8:50:46**
